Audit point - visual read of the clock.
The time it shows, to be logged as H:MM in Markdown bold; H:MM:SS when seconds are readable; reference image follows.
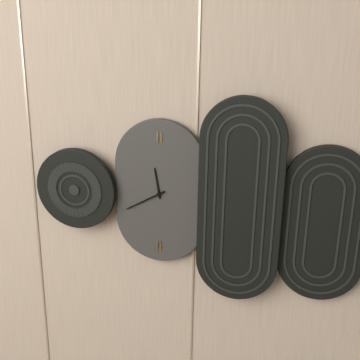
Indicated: **11:40**
